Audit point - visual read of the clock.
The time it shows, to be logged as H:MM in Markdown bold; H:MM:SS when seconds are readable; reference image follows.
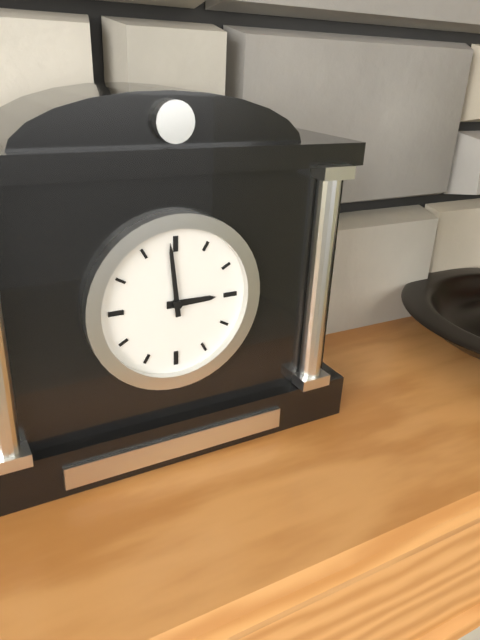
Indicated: **2:59**
